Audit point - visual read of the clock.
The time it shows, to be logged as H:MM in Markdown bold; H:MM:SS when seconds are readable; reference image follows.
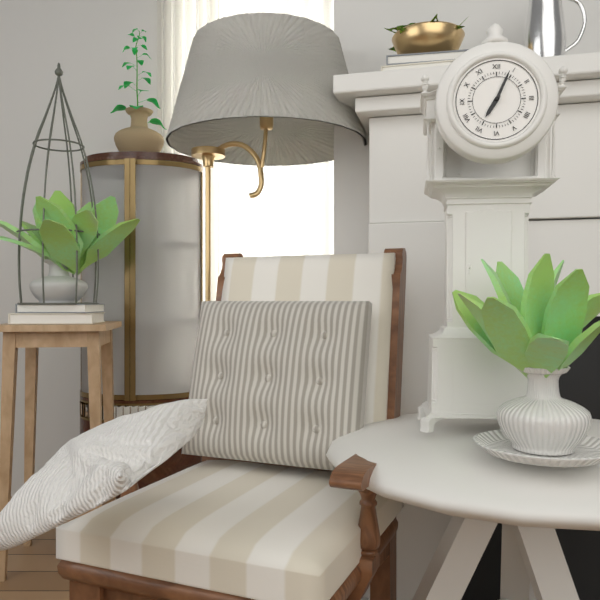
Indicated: **7:04**
